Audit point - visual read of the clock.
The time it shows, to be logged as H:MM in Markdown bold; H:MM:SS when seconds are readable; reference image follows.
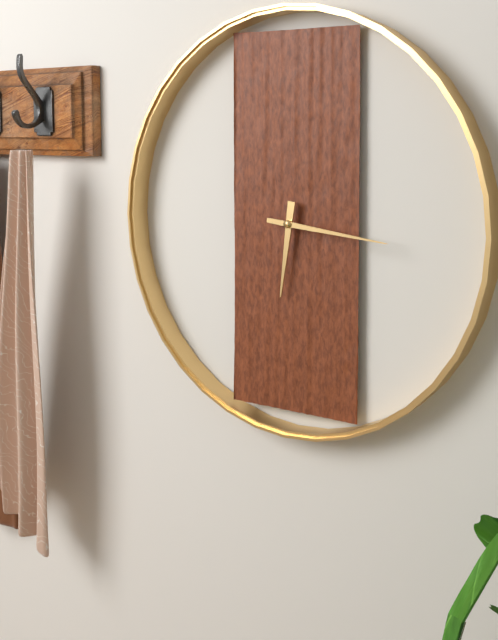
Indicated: **6:16**
